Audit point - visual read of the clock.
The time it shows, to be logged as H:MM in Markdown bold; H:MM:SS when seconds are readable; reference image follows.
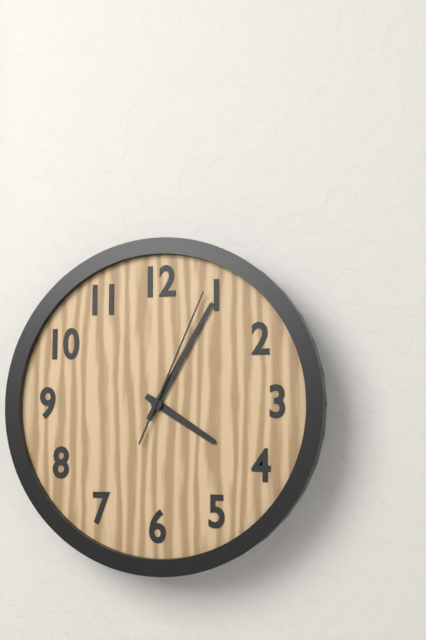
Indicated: **4:05:04**
